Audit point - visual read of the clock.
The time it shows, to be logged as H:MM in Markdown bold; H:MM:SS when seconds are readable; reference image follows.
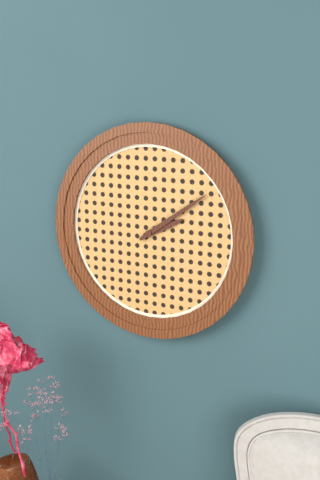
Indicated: **2:09**
